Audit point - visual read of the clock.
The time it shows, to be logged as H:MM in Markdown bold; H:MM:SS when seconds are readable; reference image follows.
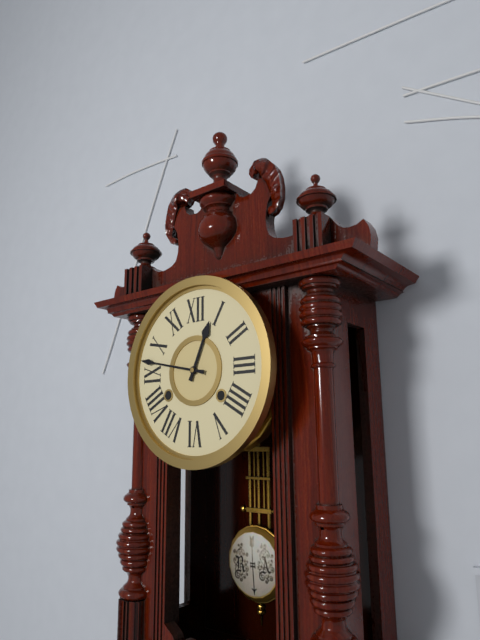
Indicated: **12:47**
